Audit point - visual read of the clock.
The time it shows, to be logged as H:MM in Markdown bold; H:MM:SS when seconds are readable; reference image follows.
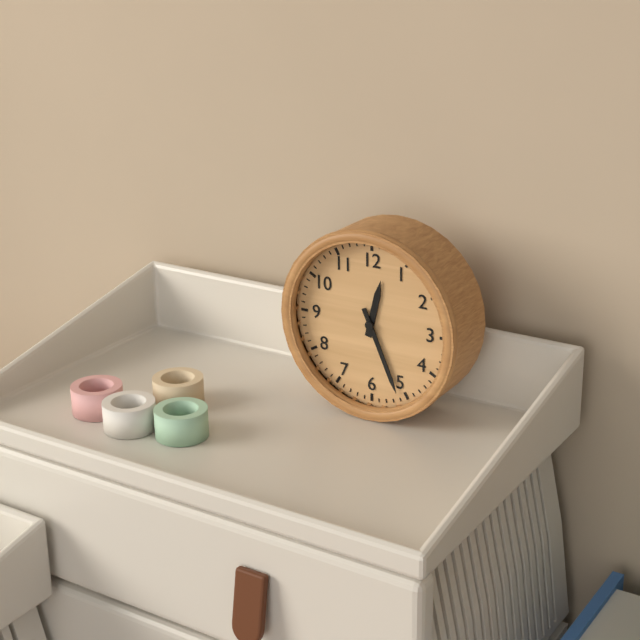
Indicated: **12:26**
